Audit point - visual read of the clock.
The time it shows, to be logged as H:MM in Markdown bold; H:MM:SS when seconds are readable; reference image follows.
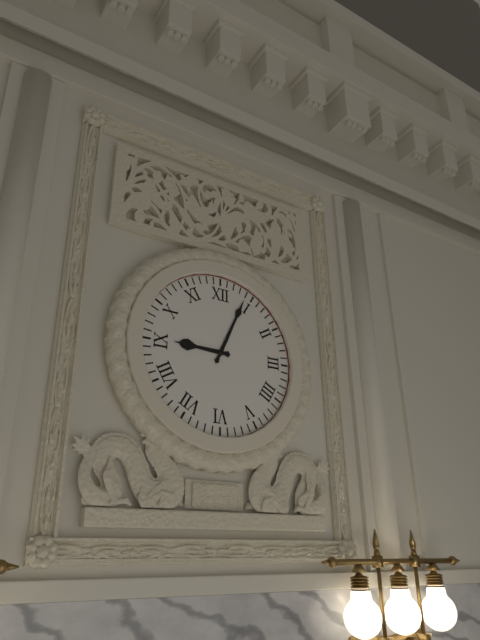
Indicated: **9:04**
